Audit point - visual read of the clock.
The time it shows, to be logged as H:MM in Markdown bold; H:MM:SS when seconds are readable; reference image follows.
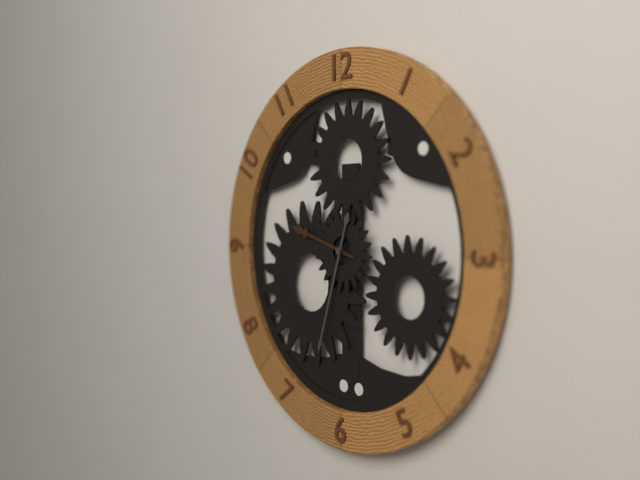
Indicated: **9:33**
